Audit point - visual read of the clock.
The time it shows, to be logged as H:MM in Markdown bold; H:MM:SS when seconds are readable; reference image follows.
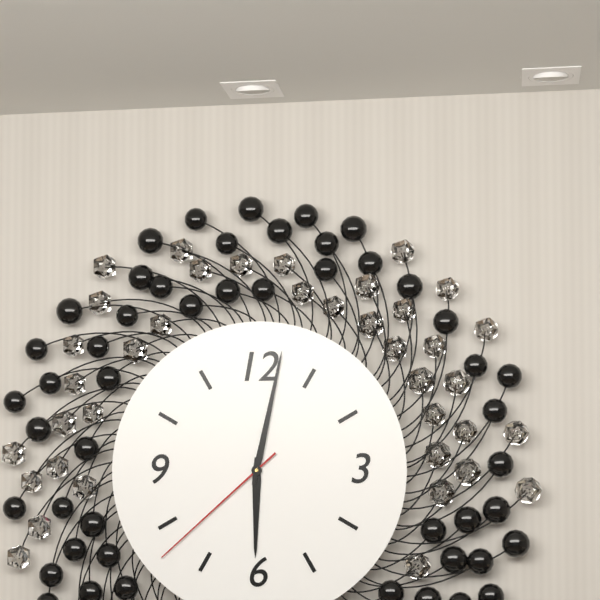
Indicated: **6:02:38**
